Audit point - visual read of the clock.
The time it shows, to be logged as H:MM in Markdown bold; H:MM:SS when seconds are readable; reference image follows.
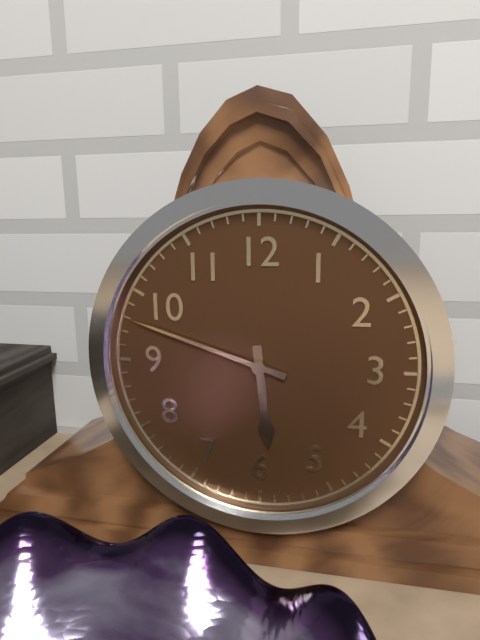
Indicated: **5:48**
